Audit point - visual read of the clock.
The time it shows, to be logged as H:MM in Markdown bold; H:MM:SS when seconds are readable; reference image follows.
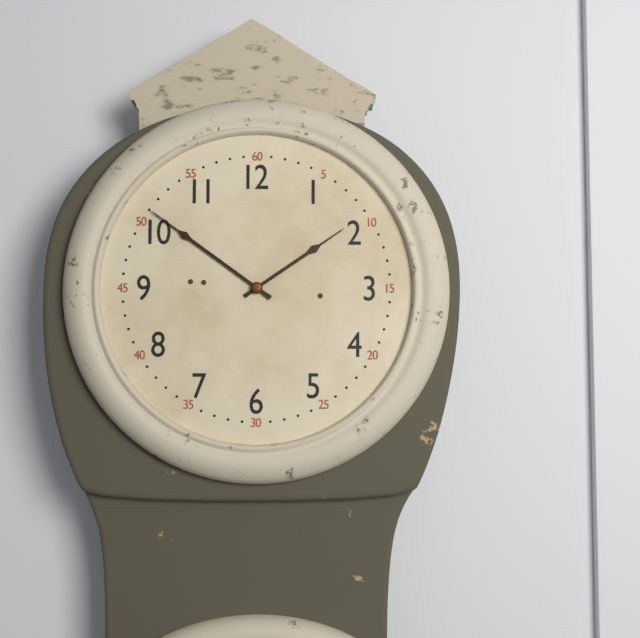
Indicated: **1:51**
